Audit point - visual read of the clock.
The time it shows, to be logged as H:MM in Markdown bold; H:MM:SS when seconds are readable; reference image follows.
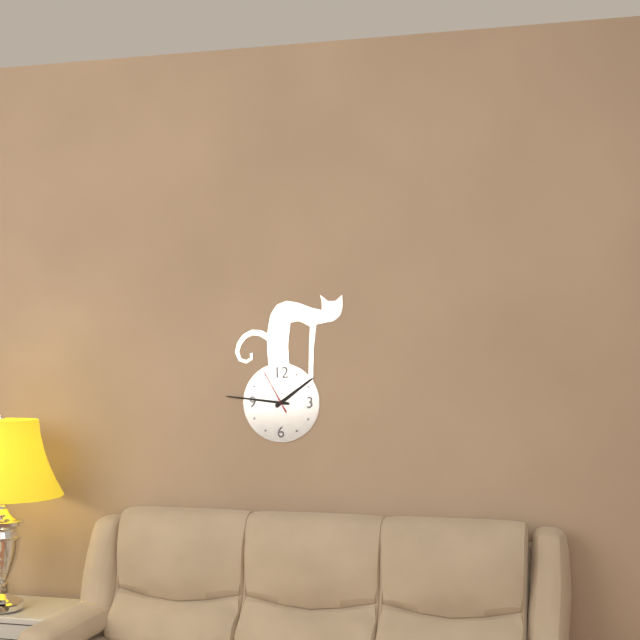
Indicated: **1:46**
